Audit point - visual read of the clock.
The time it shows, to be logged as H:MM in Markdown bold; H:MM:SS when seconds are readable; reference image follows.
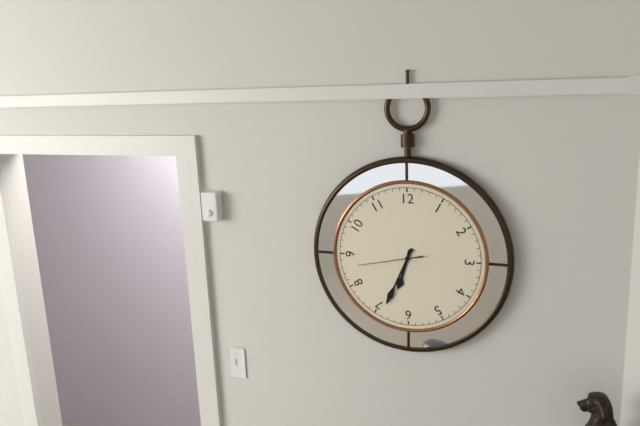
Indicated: **6:34:43**
